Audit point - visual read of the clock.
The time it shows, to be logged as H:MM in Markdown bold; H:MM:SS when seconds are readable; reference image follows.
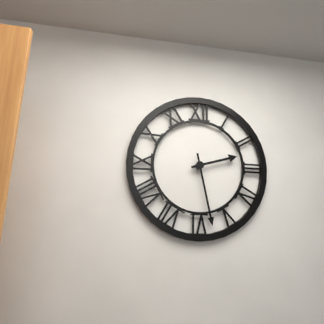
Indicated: **2:28**
